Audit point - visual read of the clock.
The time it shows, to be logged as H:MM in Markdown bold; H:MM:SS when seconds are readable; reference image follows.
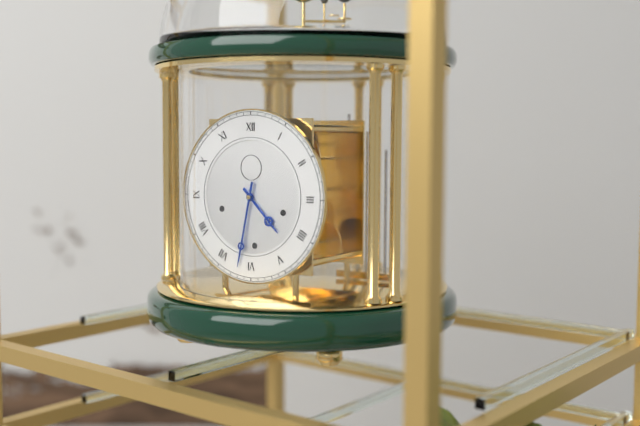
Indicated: **4:32**
